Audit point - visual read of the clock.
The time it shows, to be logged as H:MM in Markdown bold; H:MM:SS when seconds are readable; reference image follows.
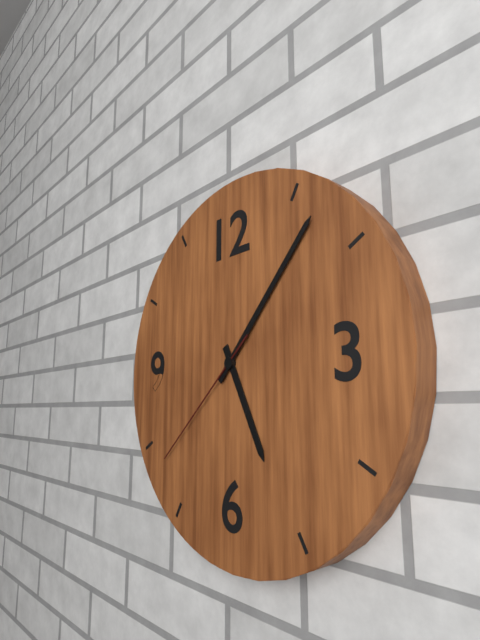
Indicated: **5:07:38**
